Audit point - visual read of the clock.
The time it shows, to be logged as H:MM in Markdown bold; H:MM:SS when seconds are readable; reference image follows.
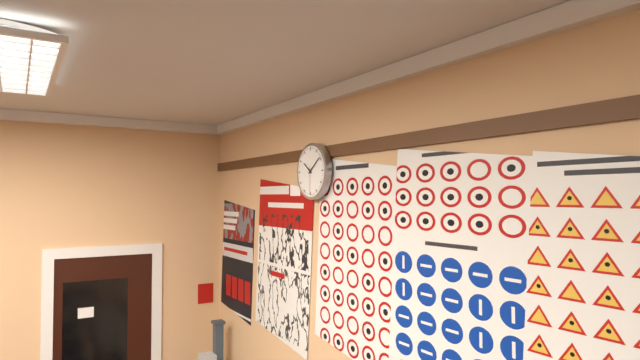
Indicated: **10:09**
